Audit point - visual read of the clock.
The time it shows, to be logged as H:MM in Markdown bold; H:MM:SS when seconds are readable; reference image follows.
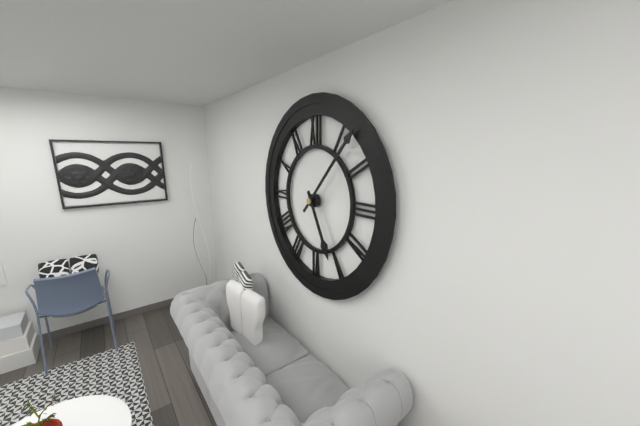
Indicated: **5:07**
